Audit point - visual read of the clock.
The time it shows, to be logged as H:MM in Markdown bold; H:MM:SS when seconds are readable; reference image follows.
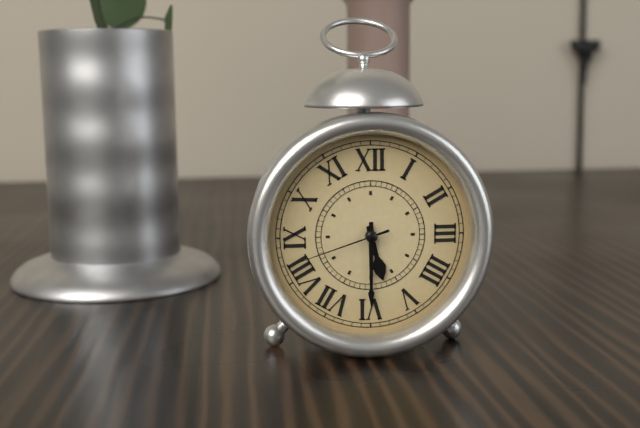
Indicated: **5:30:42**
